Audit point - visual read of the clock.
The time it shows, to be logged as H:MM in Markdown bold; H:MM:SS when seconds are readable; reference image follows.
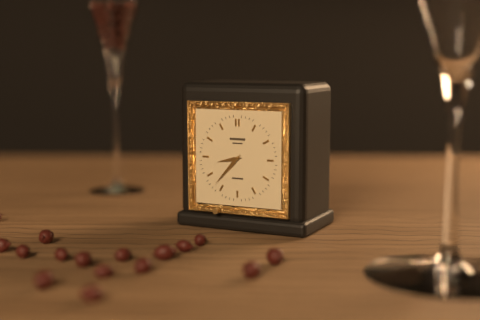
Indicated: **8:37**
